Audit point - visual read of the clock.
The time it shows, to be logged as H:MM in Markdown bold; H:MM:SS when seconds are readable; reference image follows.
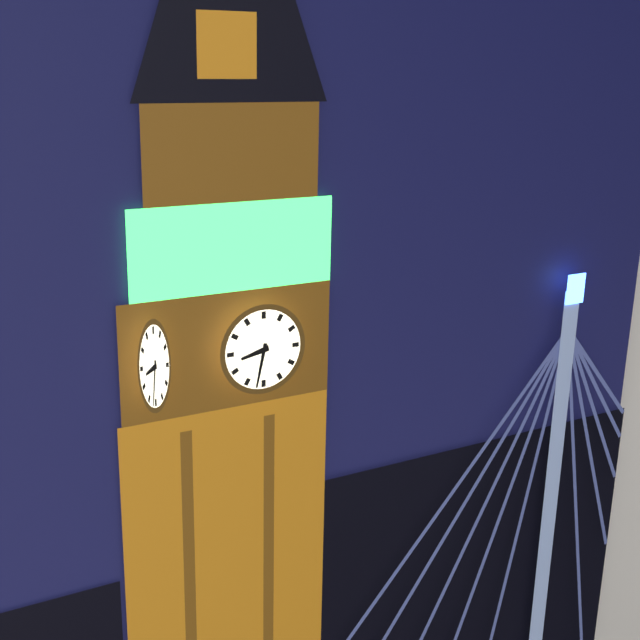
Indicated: **8:32**
